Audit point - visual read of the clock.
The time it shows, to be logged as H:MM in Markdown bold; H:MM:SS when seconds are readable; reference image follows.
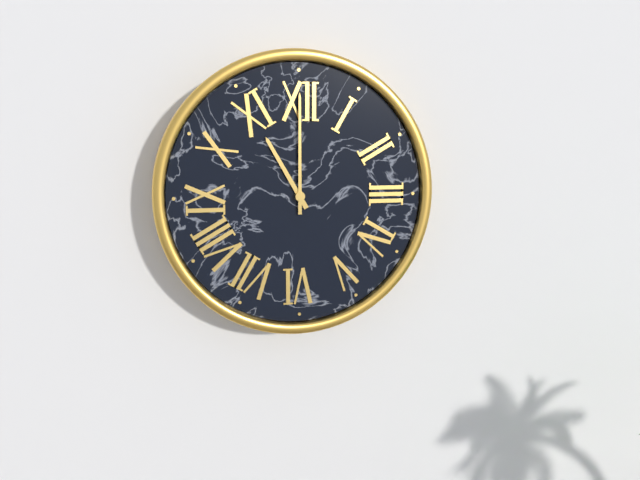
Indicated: **11:00**
